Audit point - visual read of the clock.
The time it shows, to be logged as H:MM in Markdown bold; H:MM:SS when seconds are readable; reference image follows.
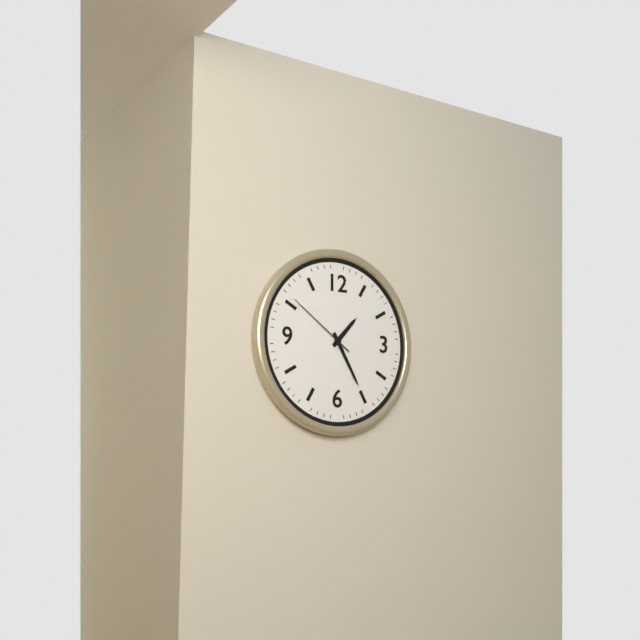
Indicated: **1:25:51**
